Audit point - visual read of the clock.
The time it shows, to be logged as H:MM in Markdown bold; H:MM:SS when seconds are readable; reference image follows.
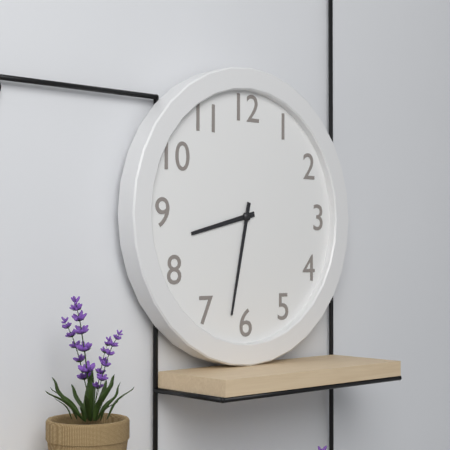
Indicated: **8:32**
